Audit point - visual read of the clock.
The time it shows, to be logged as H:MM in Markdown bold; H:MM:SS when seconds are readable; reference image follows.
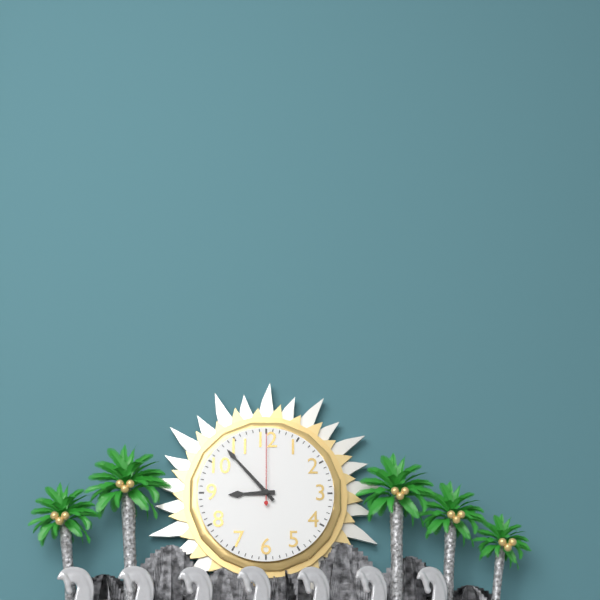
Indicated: **8:53:00**
